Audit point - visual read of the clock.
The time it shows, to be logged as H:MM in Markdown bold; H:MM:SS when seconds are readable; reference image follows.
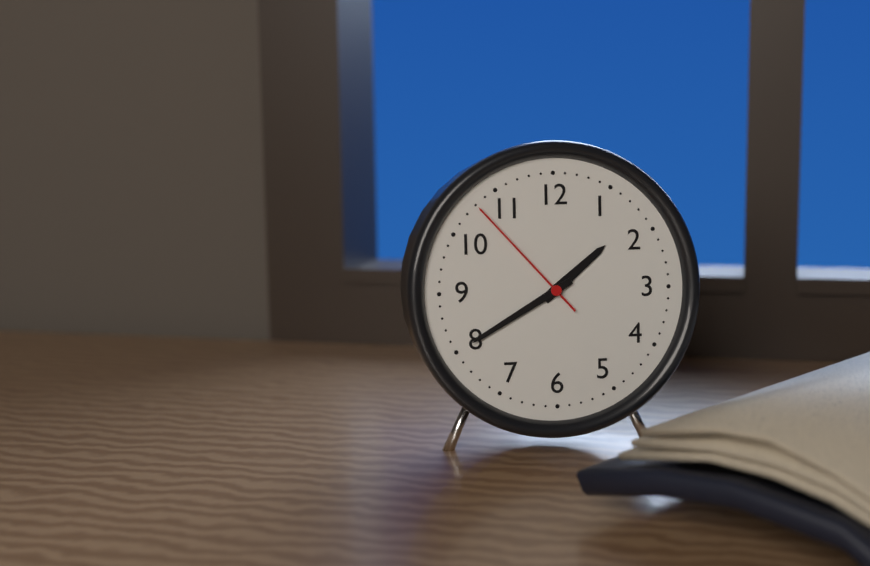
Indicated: **1:40:53**
